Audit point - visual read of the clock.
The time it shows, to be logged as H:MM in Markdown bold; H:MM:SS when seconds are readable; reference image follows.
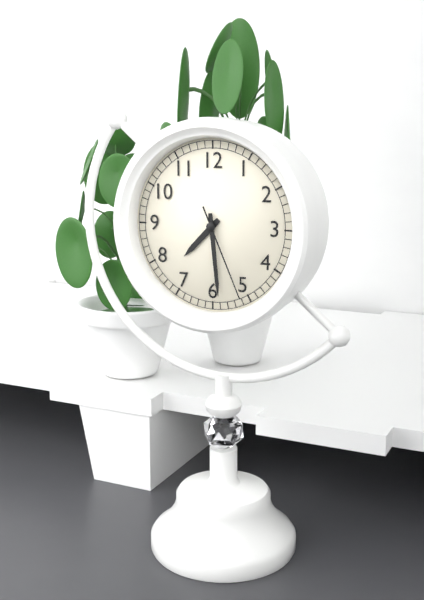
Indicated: **7:29:26**
